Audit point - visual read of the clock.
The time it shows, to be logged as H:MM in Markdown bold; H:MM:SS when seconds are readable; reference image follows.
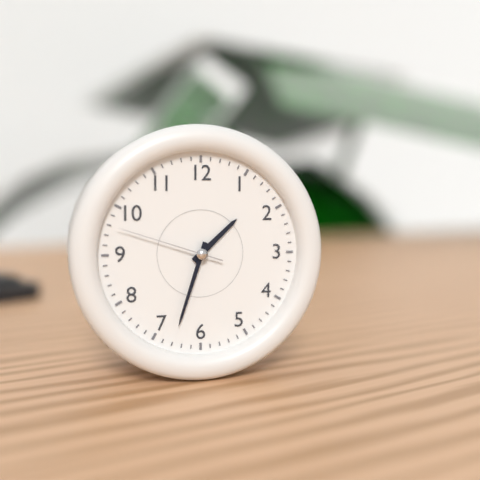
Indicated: **1:33:48**
